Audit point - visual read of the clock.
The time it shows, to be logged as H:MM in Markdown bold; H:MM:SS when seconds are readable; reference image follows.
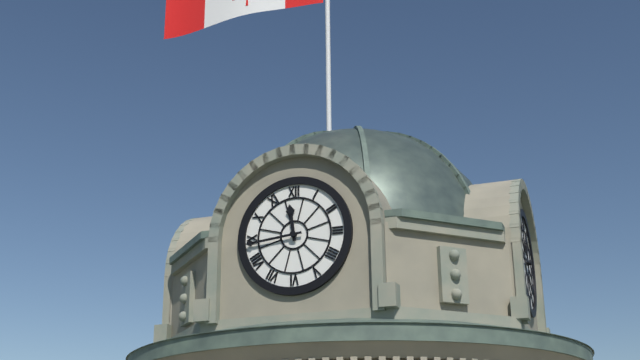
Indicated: **11:44**
